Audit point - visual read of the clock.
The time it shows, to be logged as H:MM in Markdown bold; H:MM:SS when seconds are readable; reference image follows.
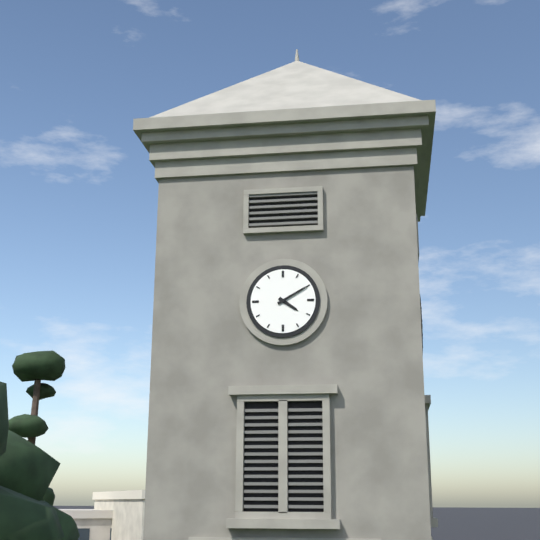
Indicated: **4:10**
